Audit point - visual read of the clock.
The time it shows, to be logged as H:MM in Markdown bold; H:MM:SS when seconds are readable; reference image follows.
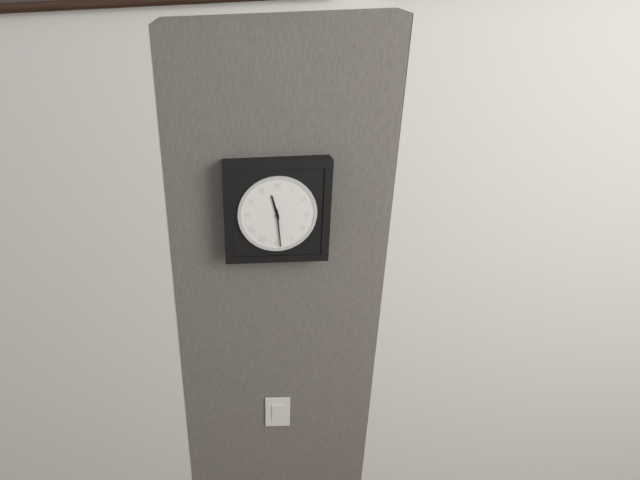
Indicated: **11:29**
